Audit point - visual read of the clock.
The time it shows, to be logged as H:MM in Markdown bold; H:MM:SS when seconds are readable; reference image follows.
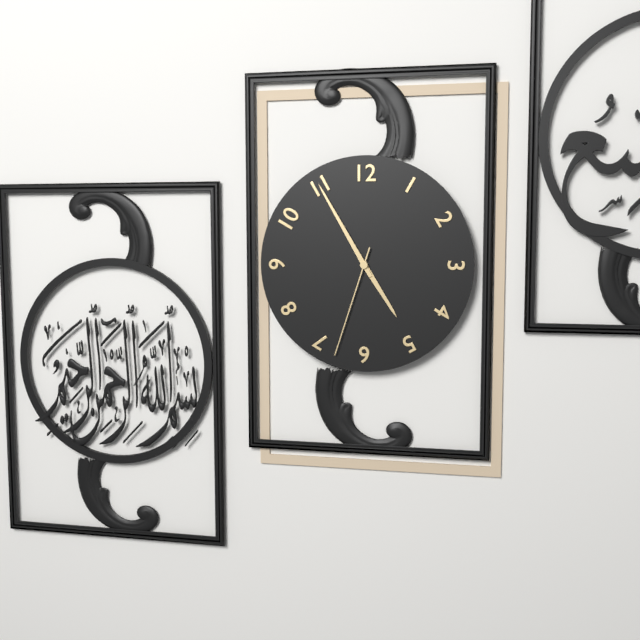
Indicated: **4:55:33**
